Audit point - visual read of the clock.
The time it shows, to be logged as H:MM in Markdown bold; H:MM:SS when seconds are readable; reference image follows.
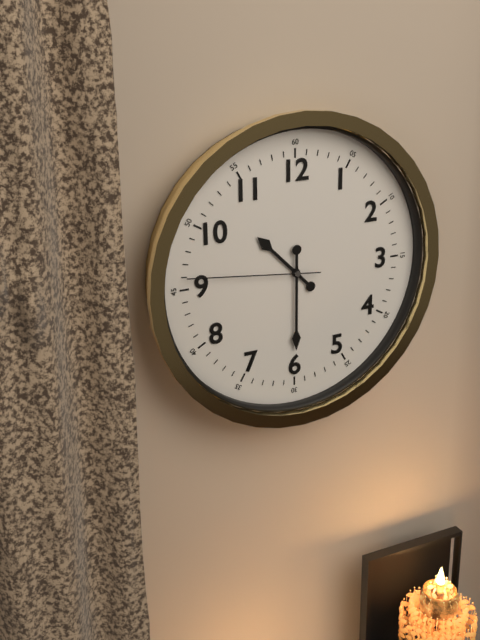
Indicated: **10:30:46**
